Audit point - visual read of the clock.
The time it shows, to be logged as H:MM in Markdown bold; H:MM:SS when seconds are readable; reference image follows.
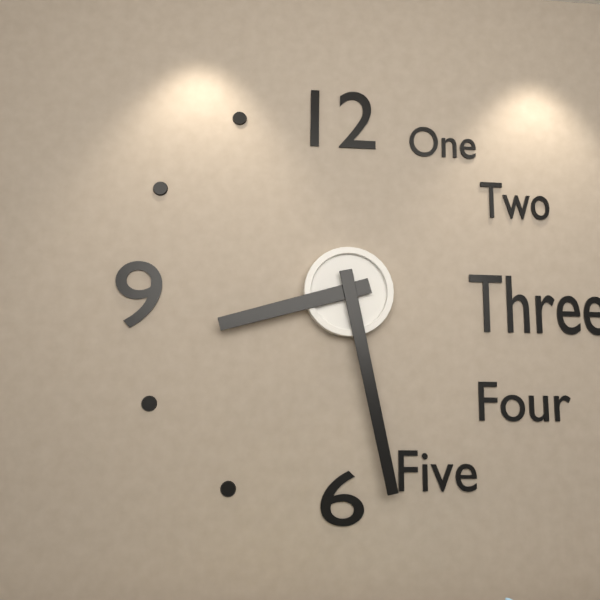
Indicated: **8:28**
